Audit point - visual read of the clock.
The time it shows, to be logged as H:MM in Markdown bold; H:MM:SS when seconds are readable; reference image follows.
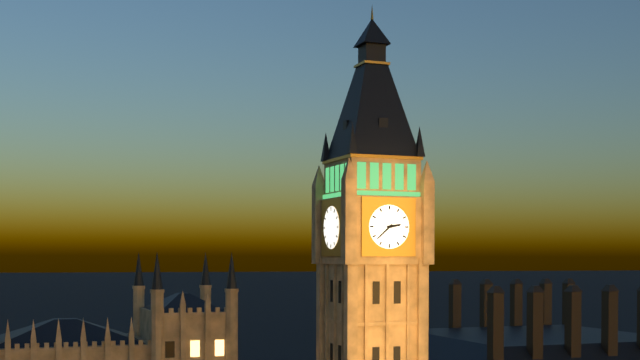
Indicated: **2:38**
